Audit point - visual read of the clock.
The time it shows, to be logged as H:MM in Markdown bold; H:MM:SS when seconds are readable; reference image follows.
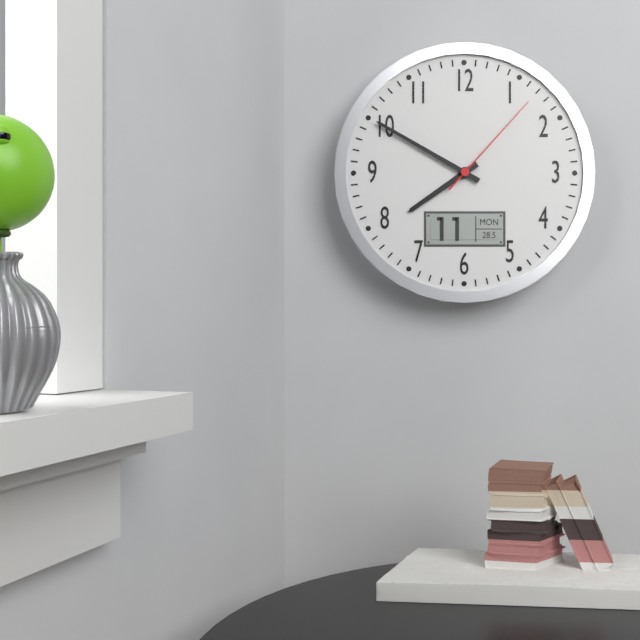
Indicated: **7:50:07**
